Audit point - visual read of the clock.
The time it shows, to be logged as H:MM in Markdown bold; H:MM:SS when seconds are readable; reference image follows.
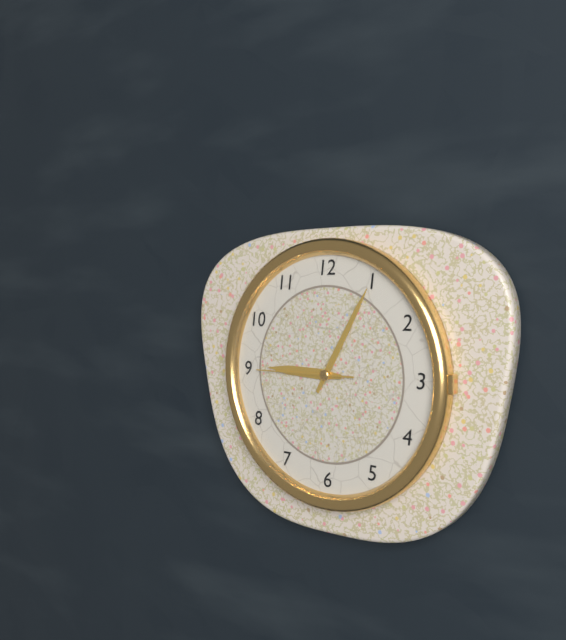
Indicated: **9:05:45**
